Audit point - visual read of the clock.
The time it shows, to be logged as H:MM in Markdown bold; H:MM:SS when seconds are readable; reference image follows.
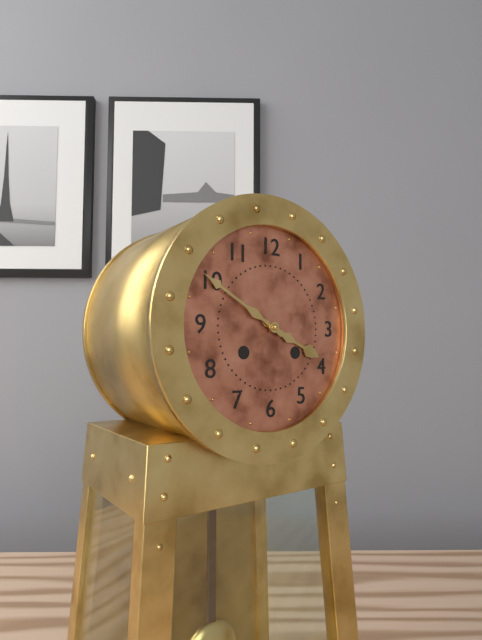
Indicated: **3:50**
